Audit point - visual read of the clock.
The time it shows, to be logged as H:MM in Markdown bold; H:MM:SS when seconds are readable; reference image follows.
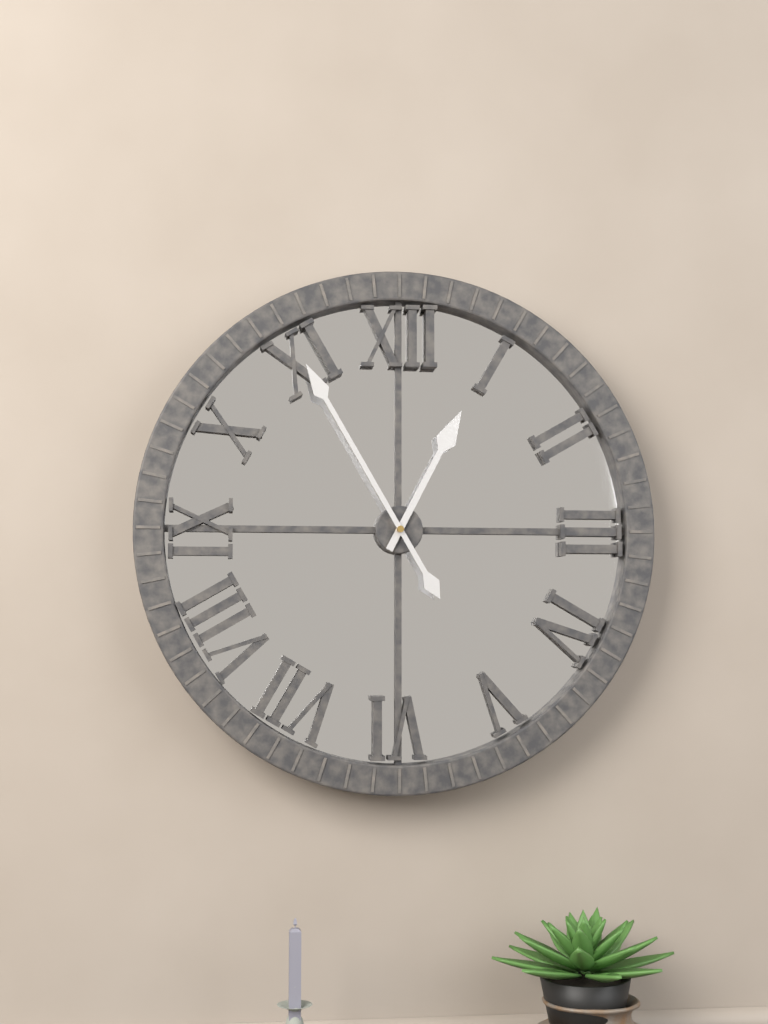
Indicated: **12:55**
